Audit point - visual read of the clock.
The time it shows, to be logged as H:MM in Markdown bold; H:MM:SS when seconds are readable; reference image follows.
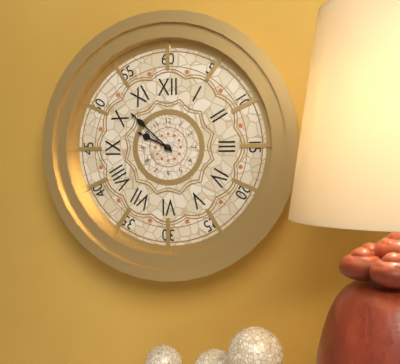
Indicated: **9:52**
